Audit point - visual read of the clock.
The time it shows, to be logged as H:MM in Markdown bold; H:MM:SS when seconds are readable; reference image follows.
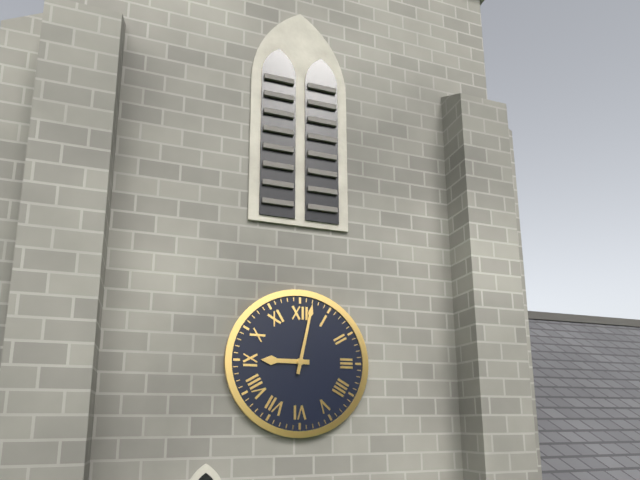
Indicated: **9:02**
